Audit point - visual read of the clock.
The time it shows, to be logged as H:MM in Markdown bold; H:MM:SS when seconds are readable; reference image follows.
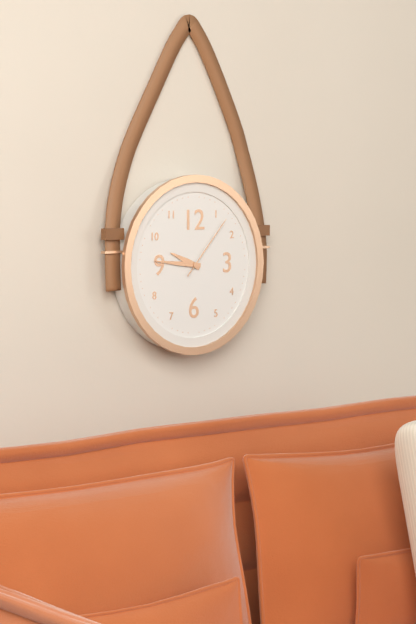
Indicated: **9:46:07**
